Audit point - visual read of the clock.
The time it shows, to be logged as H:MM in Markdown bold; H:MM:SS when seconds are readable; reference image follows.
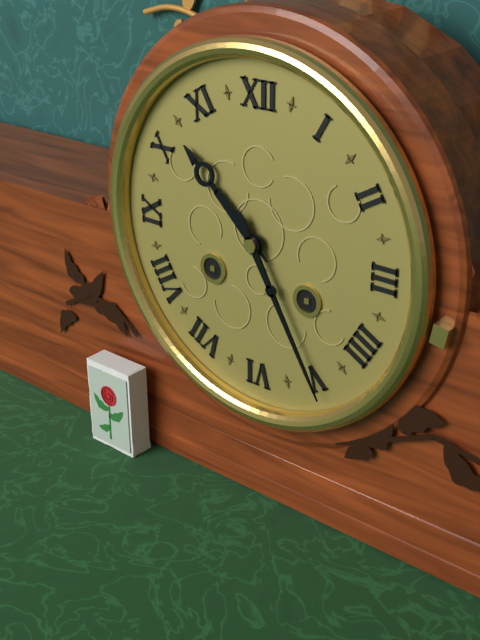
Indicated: **10:25**
